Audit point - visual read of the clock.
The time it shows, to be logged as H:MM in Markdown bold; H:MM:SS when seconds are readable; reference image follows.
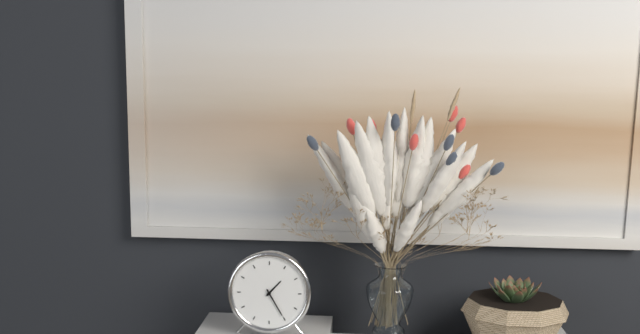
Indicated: **1:25**
